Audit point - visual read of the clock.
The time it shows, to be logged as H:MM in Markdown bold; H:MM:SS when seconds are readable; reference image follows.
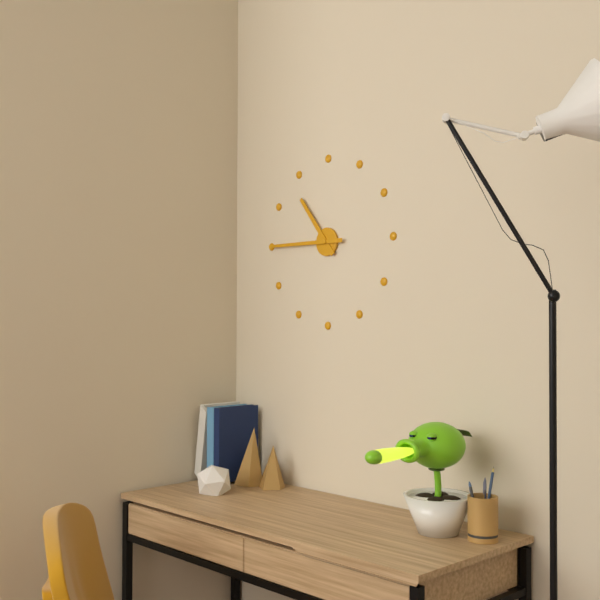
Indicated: **10:45**
